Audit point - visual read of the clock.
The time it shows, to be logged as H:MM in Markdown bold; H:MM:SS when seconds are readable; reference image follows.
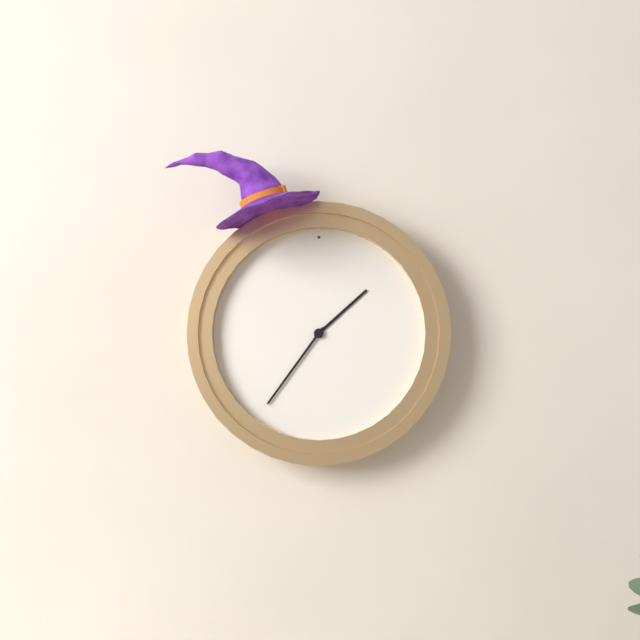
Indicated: **1:36**
